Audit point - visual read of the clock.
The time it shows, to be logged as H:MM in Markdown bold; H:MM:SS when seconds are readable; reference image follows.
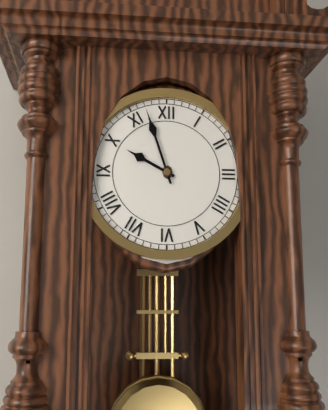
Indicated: **9:57**
